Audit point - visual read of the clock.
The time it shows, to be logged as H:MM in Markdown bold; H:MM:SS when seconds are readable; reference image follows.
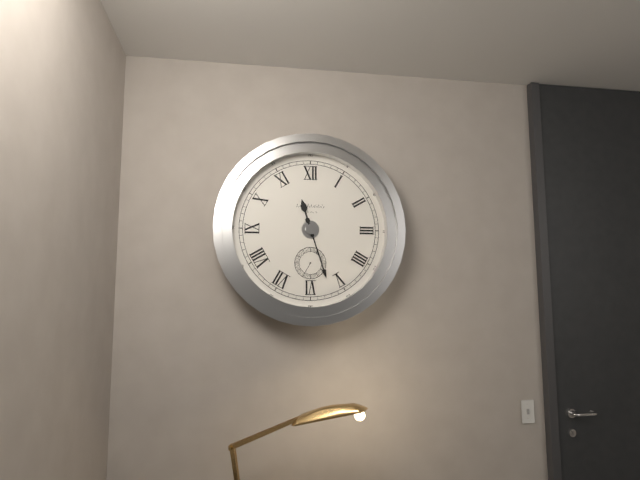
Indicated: **11:27**
